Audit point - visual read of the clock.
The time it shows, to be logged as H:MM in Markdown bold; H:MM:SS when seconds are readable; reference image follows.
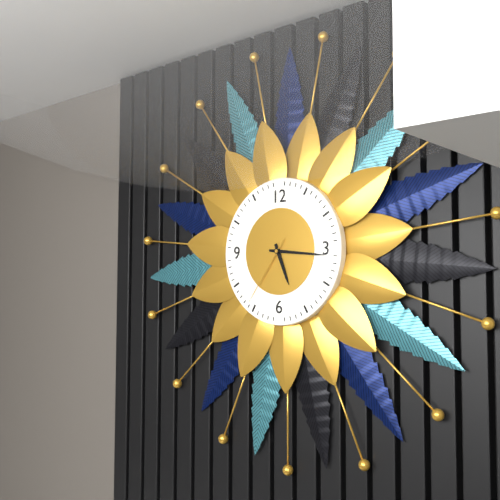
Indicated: **5:16:36**
